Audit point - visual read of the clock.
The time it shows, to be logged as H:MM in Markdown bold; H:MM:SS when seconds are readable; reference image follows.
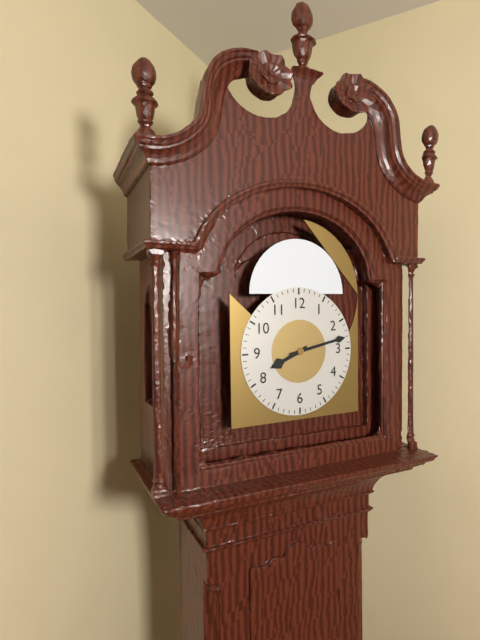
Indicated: **8:13**
